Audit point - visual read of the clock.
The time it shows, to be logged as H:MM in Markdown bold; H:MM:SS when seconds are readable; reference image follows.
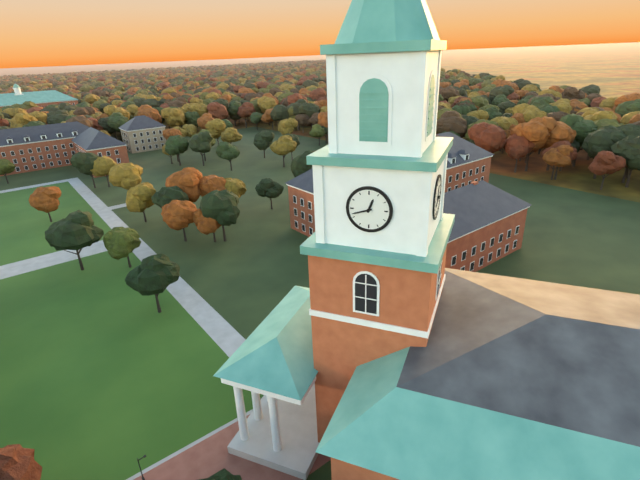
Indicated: **12:42**
